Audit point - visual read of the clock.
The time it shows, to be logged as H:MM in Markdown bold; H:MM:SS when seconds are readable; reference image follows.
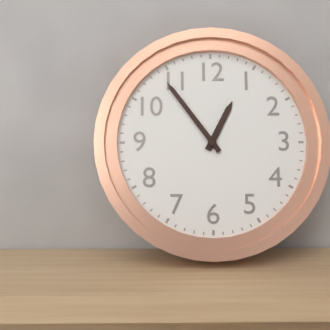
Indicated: **12:54**
